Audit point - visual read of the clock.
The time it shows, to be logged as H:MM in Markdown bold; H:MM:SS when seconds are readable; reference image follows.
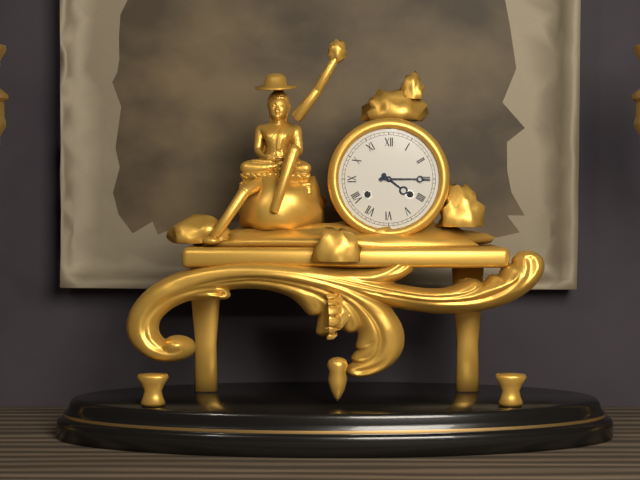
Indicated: **4:15**
